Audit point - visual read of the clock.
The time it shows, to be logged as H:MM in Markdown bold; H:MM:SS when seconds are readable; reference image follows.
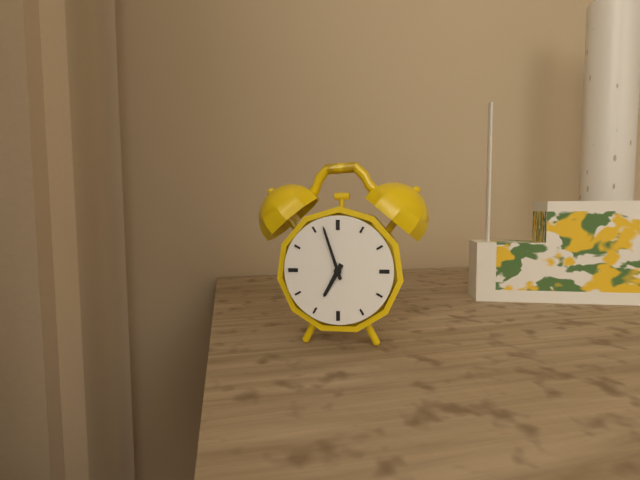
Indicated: **6:57**
